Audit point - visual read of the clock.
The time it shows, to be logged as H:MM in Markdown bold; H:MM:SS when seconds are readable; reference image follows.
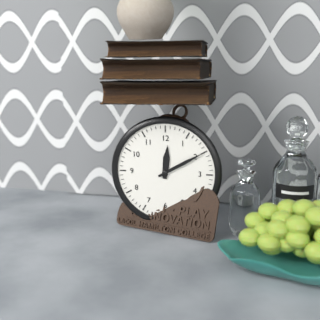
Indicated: **12:10**
